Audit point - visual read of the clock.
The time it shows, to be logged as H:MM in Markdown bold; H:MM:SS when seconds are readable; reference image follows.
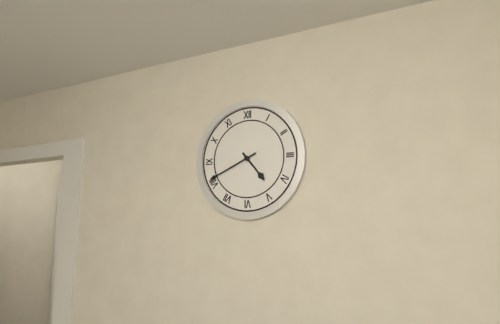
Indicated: **4:41**
